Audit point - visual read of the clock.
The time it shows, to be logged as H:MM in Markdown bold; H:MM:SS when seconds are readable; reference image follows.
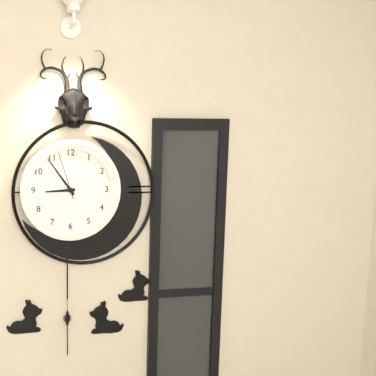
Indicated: **8:54:57**
